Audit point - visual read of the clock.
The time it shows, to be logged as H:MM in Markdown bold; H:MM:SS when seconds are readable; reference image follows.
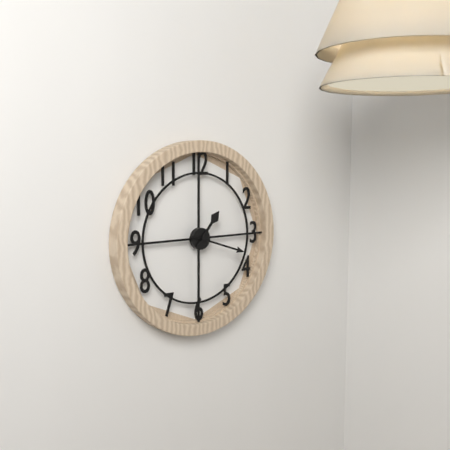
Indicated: **1:18**
